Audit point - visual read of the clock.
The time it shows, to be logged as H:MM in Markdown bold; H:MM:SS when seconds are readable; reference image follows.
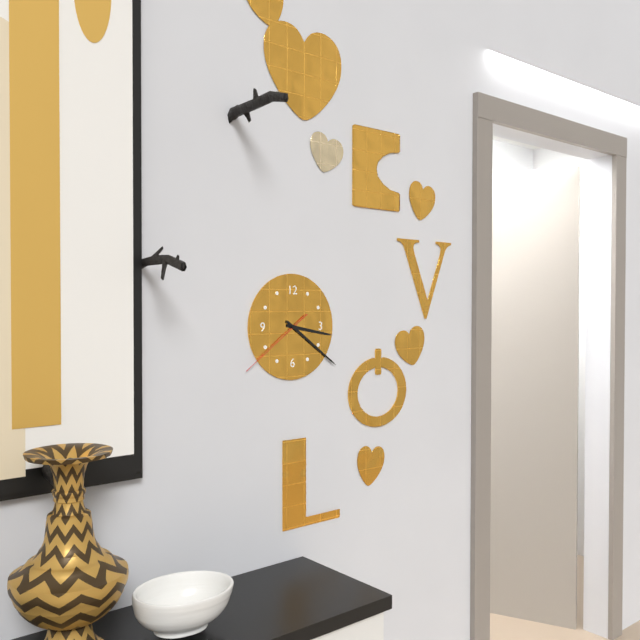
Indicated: **3:21:39**
